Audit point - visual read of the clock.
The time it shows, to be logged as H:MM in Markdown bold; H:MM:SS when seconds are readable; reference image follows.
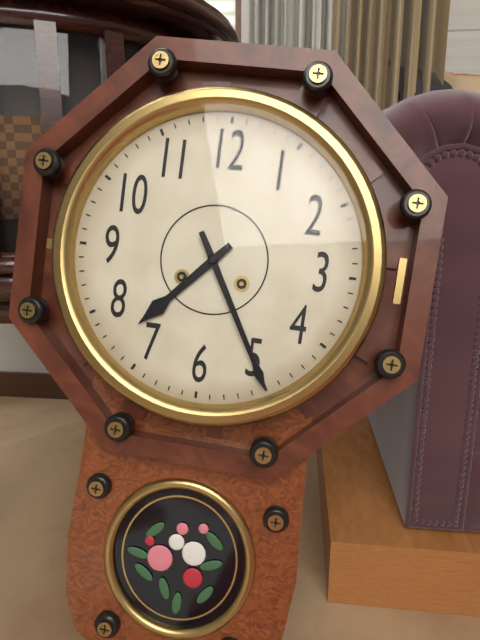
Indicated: **7:25**
